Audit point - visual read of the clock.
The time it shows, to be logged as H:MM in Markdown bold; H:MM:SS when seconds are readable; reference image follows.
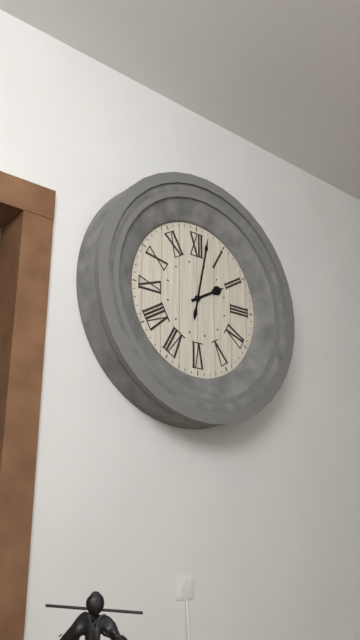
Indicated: **2:02**
